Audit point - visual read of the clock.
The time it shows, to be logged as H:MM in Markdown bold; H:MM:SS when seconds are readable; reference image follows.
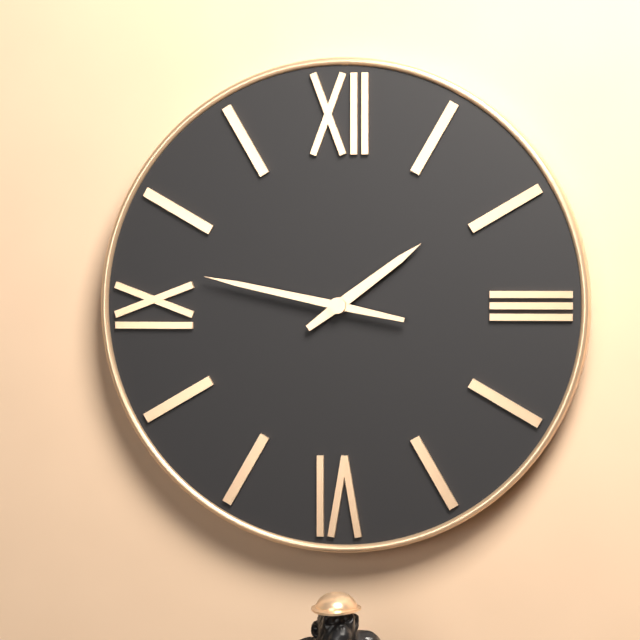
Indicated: **1:47**
